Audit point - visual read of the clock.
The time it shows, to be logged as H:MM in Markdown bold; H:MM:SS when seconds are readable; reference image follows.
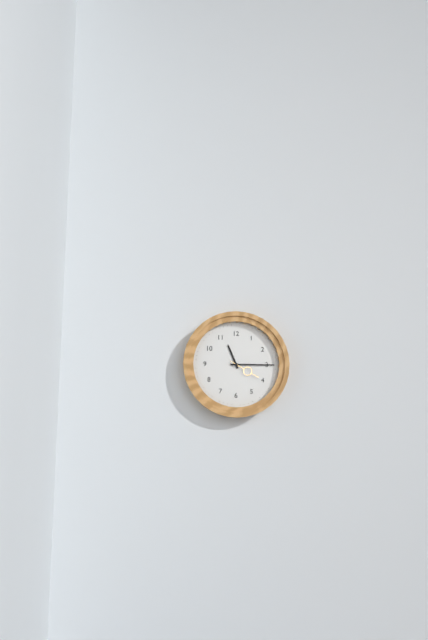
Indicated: **11:15**
